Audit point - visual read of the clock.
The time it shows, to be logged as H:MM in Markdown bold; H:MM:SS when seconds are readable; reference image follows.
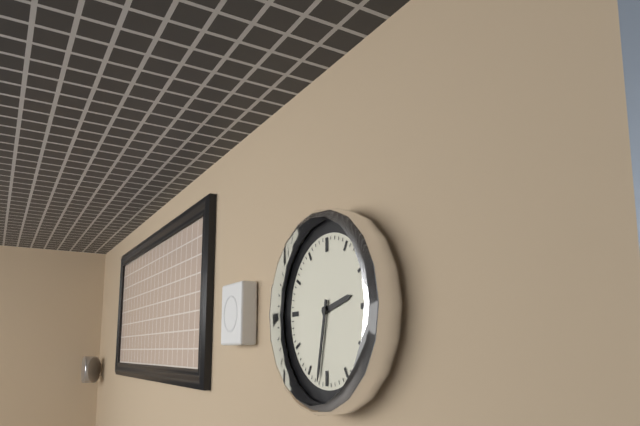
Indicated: **2:32**
